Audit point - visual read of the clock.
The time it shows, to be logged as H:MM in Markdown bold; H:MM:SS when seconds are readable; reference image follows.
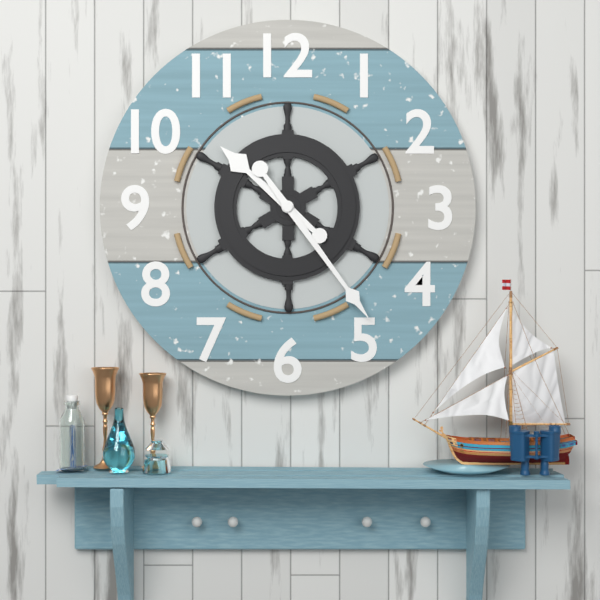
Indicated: **10:24**
